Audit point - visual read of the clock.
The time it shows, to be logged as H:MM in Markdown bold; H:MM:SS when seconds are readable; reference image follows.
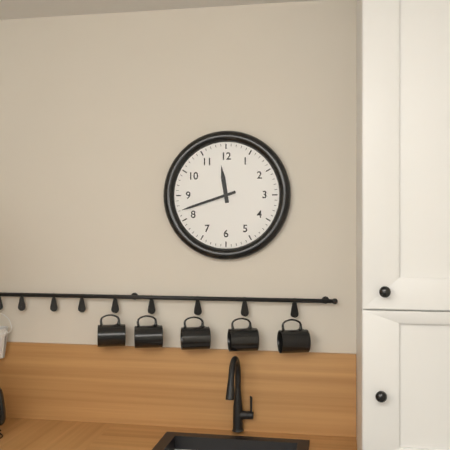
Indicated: **11:42**
